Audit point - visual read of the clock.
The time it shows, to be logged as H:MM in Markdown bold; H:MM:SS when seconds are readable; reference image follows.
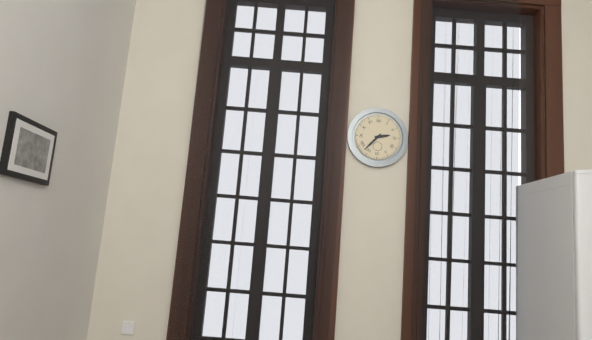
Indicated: **2:37**
